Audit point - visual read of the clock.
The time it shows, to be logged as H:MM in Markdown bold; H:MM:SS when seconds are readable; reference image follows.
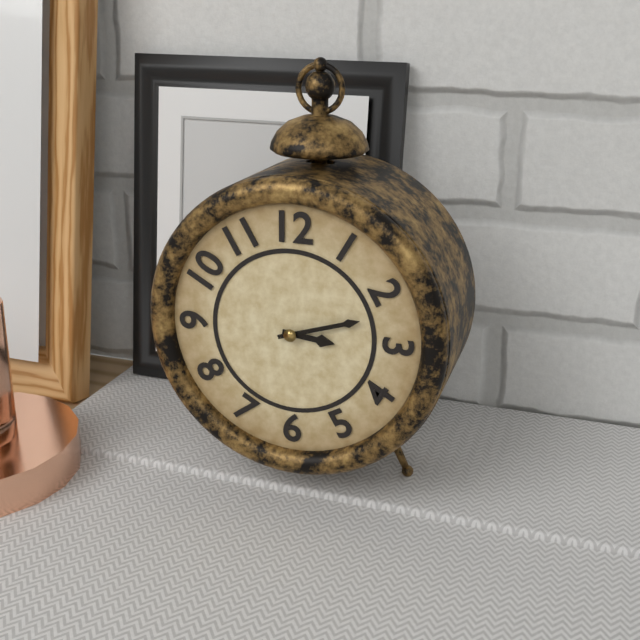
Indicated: **3:12**
